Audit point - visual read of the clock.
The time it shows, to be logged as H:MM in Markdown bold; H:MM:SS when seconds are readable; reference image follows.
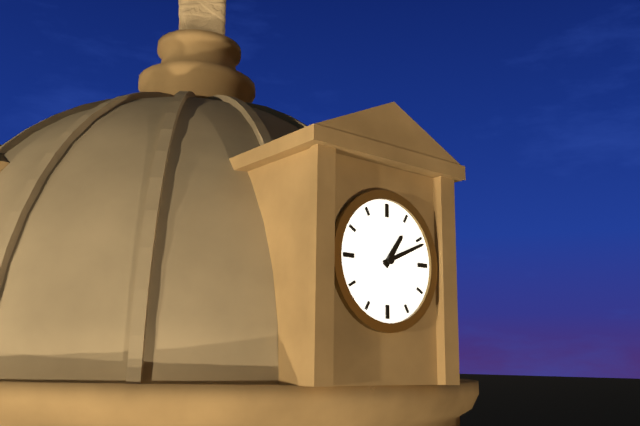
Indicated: **1:11**
